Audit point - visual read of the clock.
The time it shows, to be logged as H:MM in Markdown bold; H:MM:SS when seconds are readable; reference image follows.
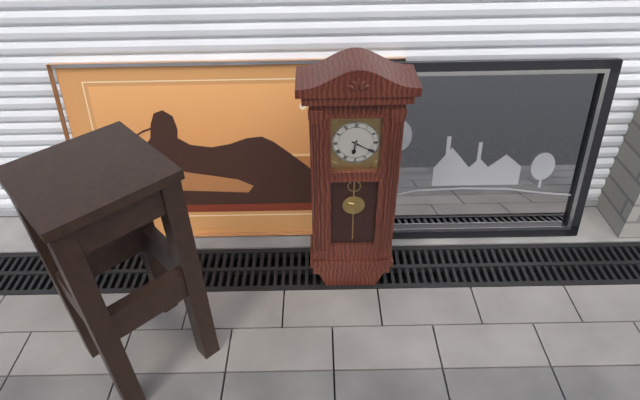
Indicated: **6:20**
